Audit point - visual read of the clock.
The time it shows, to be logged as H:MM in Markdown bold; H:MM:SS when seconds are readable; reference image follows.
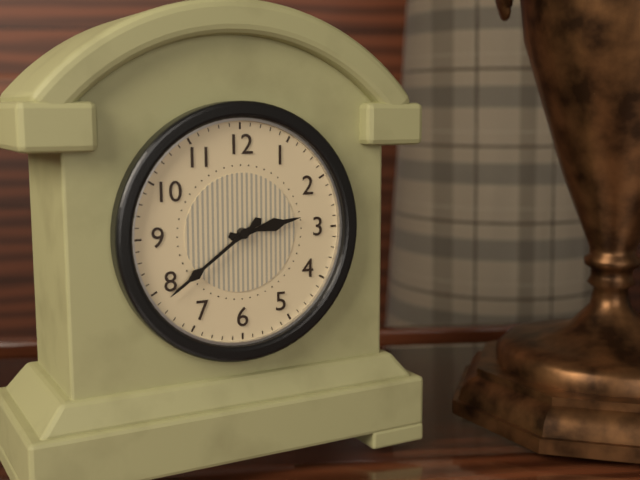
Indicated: **2:39**
